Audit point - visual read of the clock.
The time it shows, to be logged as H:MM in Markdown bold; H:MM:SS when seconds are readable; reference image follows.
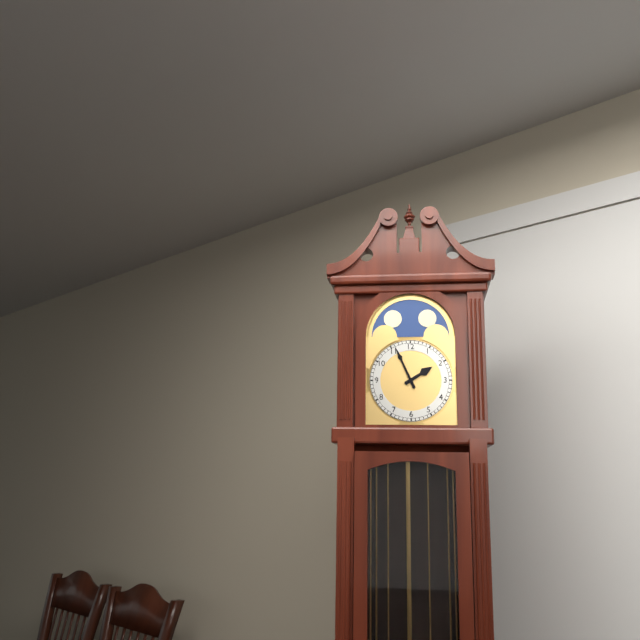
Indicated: **1:56**
